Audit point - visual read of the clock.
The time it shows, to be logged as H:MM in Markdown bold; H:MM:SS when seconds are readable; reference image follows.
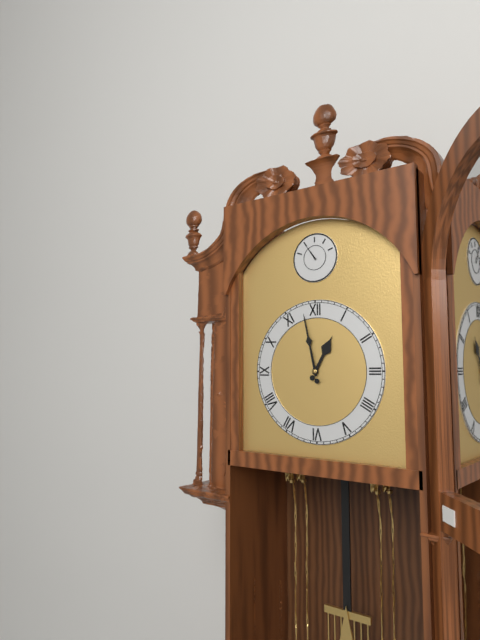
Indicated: **12:58**
